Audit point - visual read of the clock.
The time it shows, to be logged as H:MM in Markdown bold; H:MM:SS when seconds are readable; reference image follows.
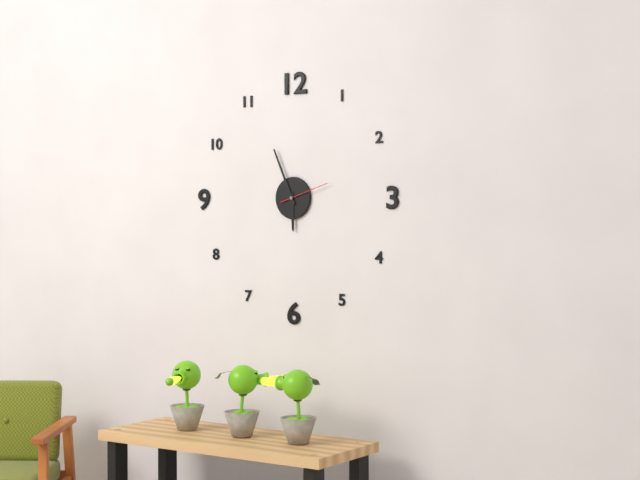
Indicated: **5:56:12**
